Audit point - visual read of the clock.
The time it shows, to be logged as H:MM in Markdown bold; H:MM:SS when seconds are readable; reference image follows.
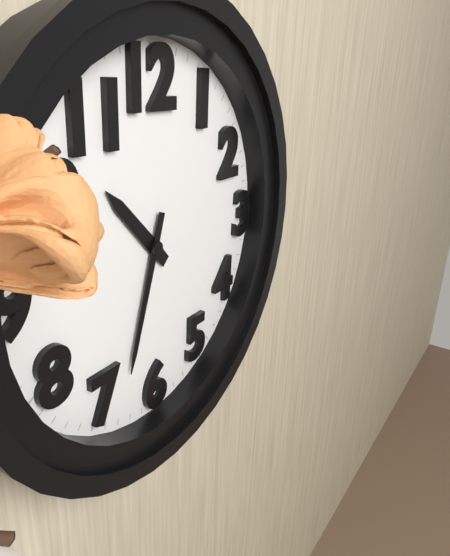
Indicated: **10:33**
